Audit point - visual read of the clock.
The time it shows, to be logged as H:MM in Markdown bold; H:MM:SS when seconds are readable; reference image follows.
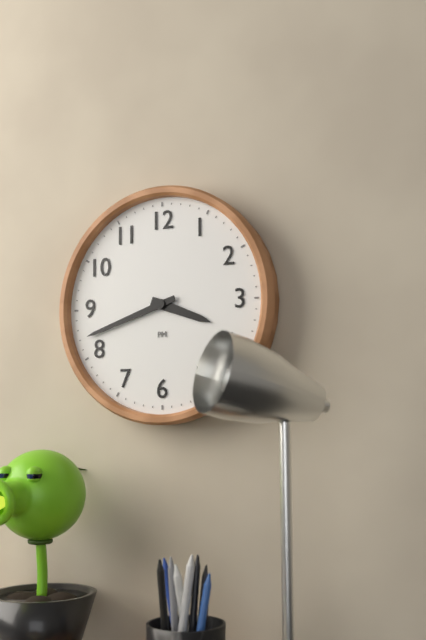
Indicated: **3:42**
